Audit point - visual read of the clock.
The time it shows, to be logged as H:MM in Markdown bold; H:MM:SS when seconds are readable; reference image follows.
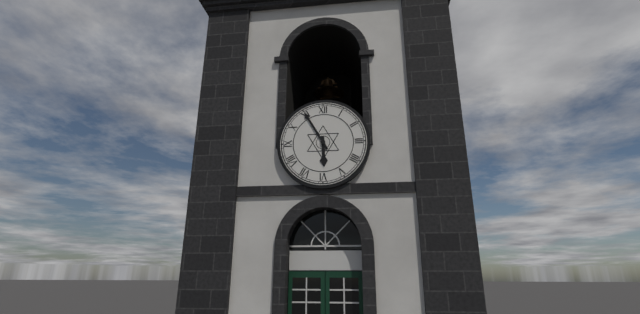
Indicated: **5:55**
